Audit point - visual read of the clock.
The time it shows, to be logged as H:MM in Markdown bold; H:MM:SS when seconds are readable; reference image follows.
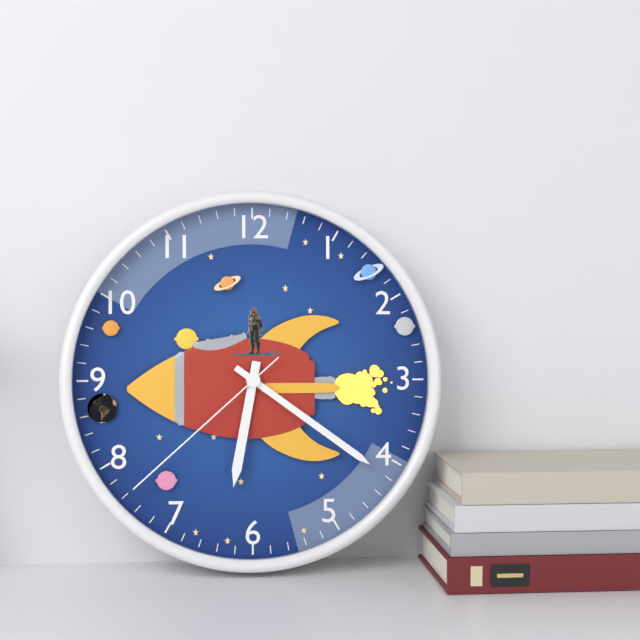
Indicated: **6:21:38**
